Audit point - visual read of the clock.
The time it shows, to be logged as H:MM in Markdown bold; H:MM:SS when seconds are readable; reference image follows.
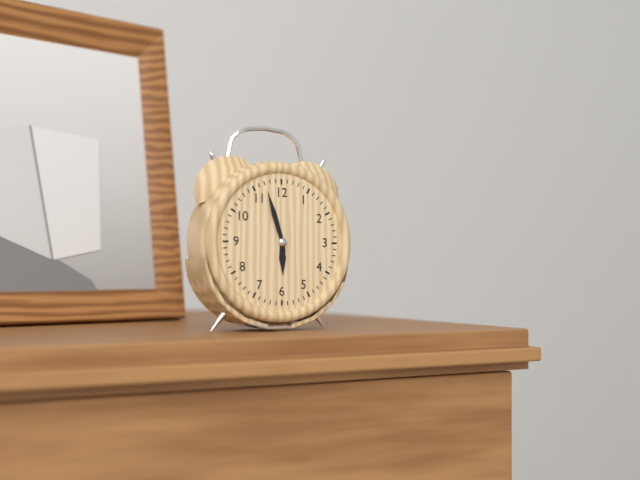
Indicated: **5:57**
